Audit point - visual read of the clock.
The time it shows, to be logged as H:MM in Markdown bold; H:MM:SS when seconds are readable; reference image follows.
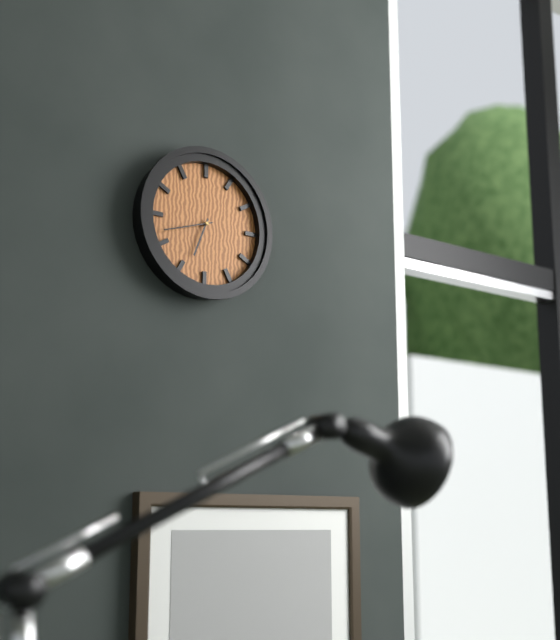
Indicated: **6:42**
